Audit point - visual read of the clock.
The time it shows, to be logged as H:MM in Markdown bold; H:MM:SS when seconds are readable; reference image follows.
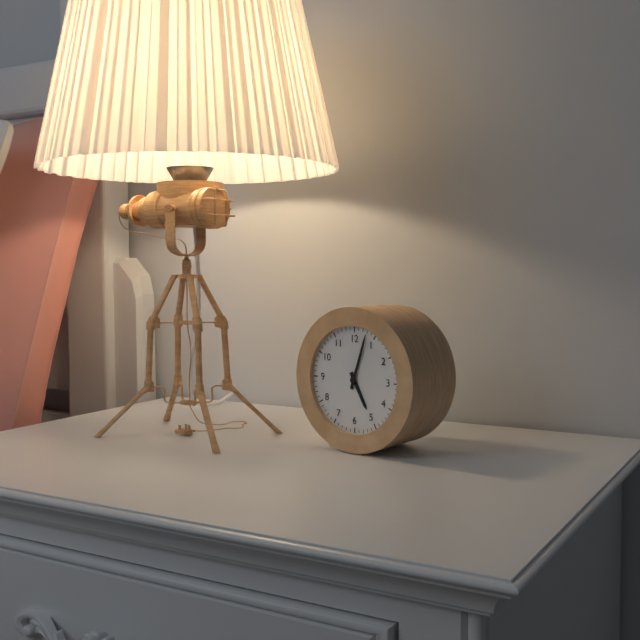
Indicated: **5:03**
